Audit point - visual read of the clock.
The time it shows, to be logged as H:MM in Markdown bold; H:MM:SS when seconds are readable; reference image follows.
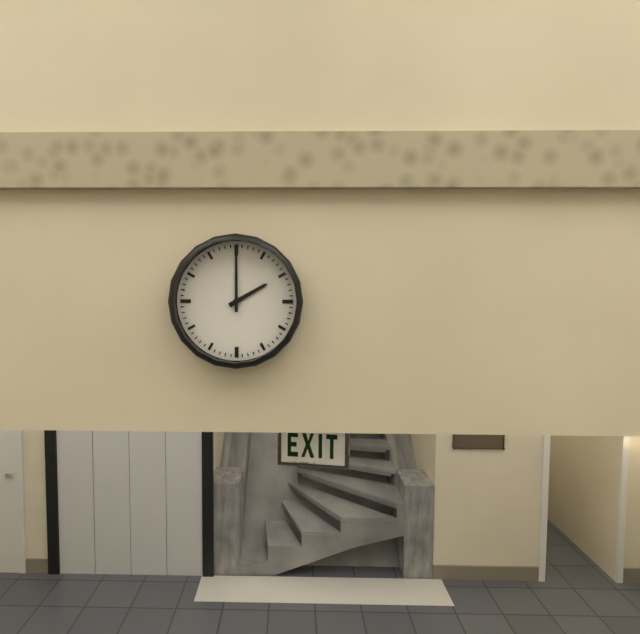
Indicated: **2:00**
